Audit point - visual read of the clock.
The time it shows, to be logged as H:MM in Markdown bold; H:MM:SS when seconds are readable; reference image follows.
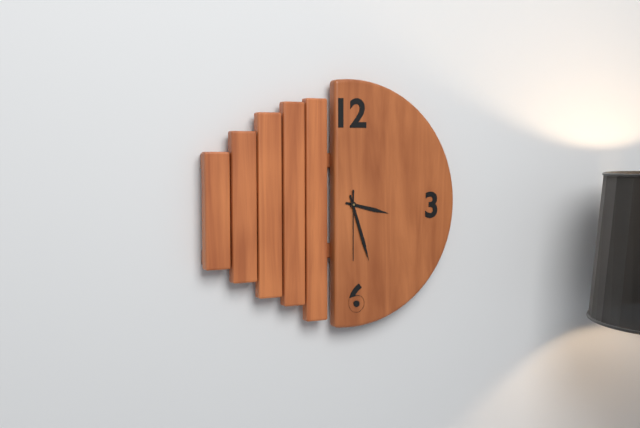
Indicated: **3:27:30**
